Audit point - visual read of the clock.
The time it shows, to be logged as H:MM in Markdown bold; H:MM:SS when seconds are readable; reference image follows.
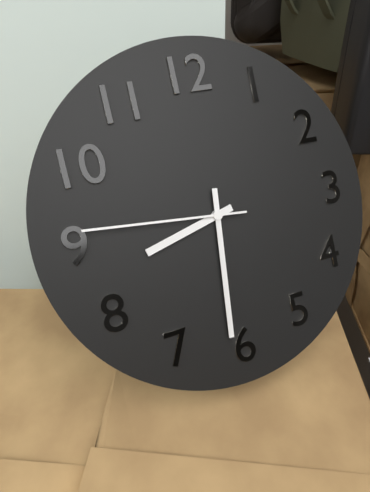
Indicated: **8:31:46**
